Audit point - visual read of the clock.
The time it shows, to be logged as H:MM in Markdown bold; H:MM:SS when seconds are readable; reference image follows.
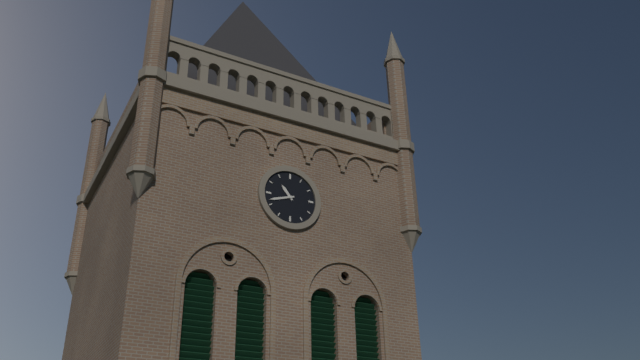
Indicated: **10:42**
